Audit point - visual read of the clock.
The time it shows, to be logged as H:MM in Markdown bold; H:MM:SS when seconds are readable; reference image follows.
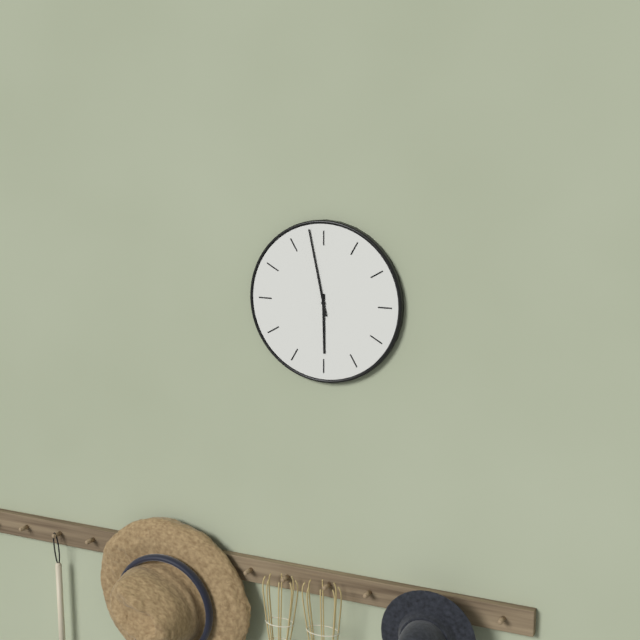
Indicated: **5:58**
